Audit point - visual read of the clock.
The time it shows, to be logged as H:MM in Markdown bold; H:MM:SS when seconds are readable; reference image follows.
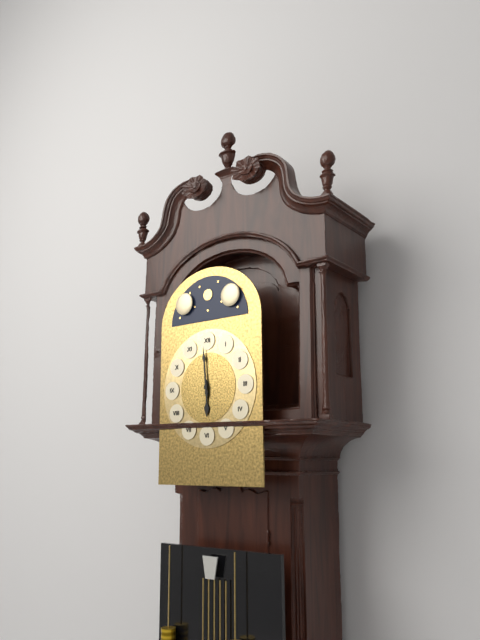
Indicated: **5:59**
